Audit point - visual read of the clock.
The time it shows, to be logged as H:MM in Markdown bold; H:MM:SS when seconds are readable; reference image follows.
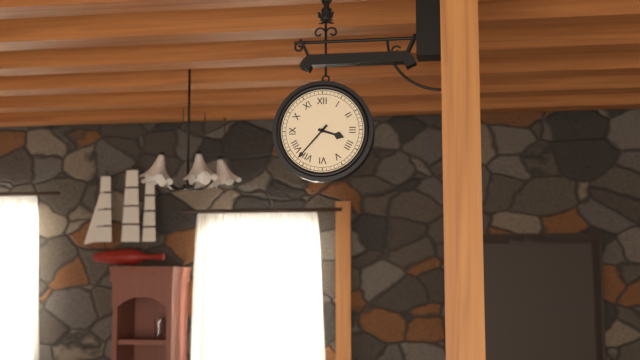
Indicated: **3:37**
